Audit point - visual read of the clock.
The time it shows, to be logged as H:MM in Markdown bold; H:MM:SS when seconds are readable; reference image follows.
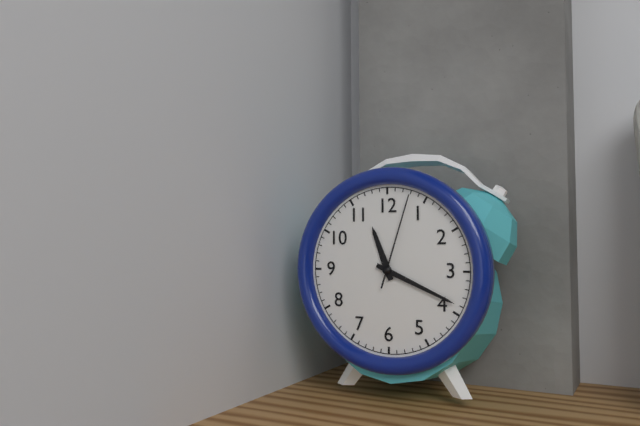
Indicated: **11:19:03**
